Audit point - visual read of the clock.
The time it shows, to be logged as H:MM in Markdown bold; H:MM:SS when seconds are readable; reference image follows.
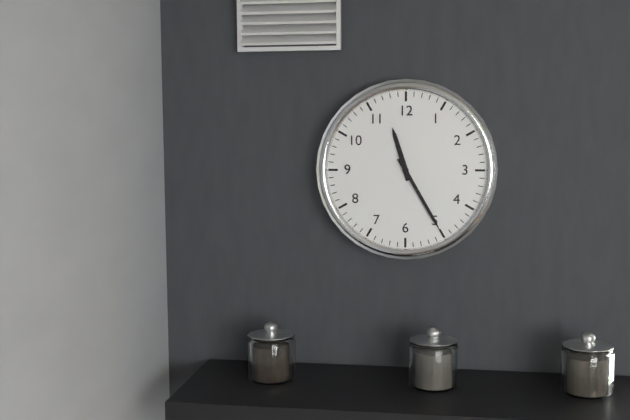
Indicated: **11:25**
